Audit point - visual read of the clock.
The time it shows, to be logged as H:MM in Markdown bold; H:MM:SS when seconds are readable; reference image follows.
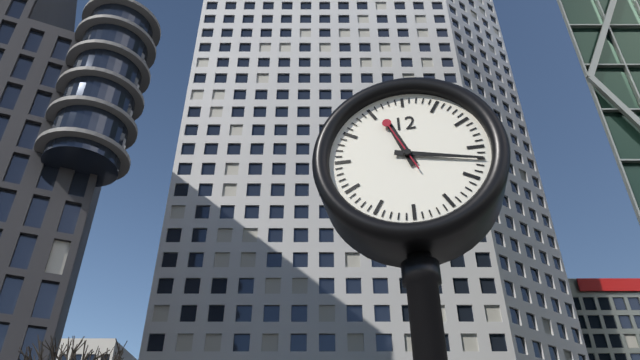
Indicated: **11:17:56**
